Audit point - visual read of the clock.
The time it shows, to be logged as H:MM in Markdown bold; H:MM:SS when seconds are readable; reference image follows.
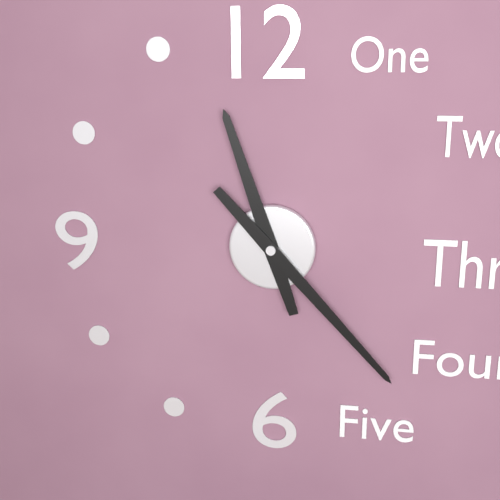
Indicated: **11:23**
